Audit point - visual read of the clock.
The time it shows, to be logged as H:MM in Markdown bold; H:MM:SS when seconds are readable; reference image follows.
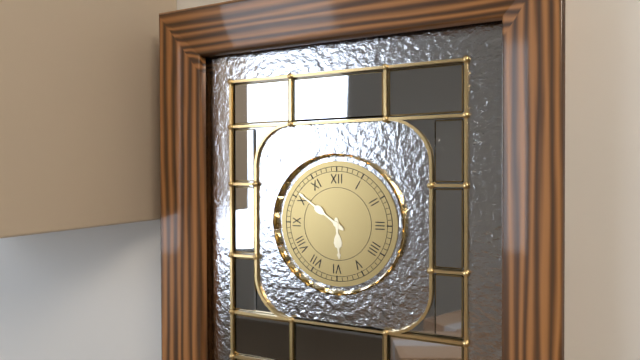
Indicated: **5:51**
